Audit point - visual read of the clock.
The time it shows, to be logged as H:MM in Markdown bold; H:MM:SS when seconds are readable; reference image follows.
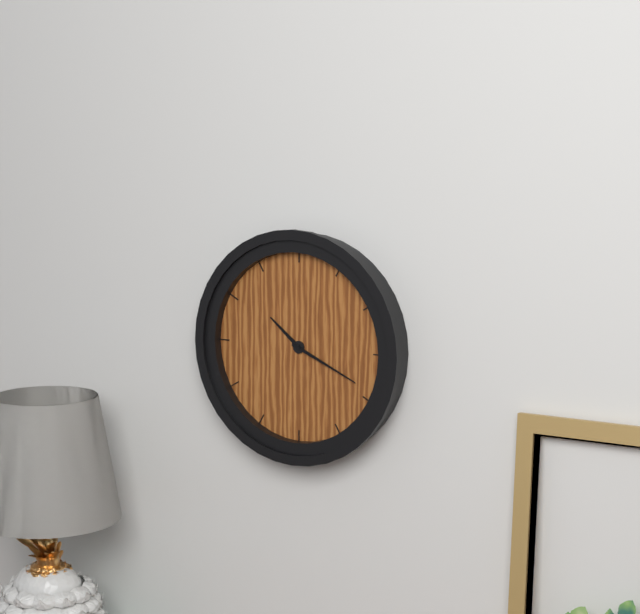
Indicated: **10:19**
